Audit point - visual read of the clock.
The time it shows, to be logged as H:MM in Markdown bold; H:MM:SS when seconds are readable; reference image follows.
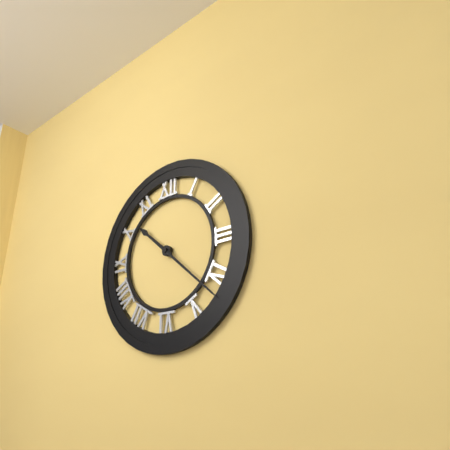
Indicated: **10:22**
